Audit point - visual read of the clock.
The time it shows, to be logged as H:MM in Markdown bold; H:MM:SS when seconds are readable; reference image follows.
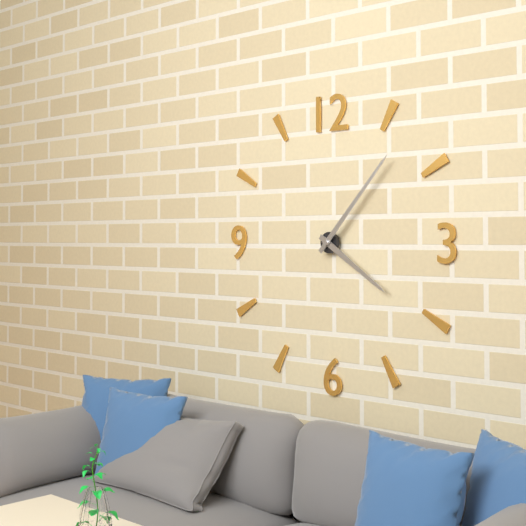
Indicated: **4:07**
